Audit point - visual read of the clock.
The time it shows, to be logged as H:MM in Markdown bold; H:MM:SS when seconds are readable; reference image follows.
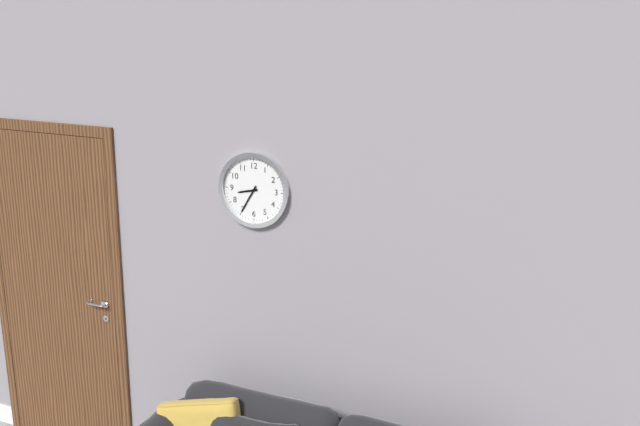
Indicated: **8:35**
